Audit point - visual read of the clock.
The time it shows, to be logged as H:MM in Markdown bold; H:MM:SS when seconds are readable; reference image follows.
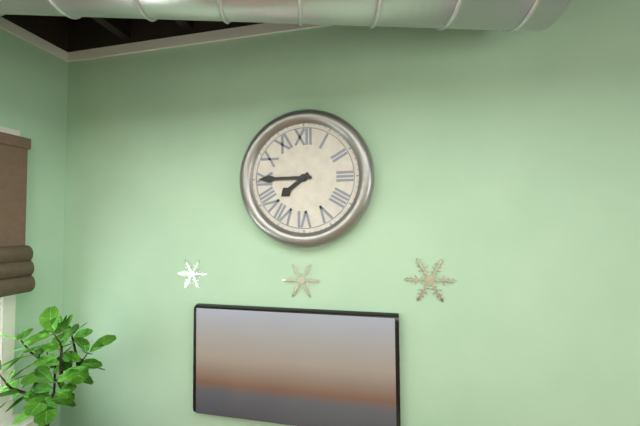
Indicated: **7:45**
